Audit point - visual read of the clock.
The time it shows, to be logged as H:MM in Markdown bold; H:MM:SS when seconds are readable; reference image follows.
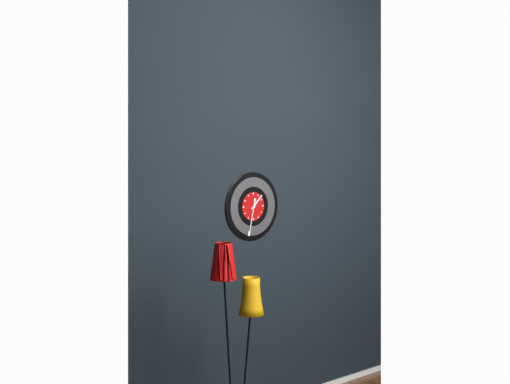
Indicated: **1:32**
